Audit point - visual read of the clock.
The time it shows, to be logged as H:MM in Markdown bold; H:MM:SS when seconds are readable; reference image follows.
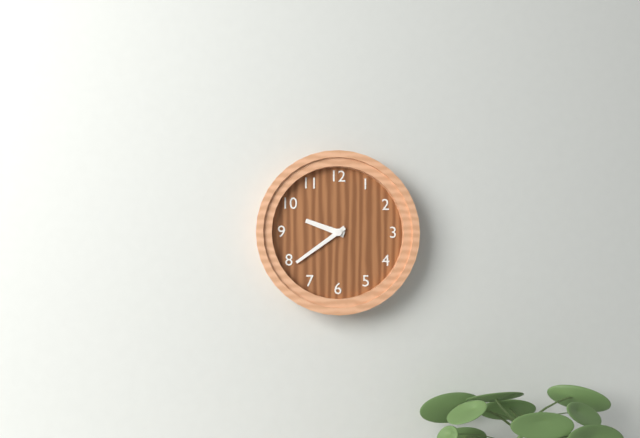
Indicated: **9:39**
